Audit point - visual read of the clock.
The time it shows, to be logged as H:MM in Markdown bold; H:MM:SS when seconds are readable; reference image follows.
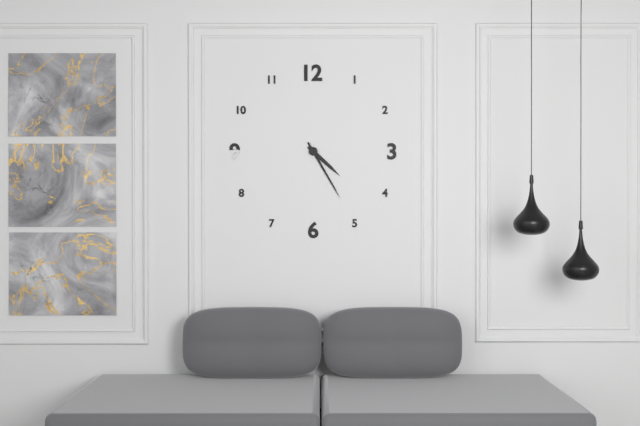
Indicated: **4:25**
